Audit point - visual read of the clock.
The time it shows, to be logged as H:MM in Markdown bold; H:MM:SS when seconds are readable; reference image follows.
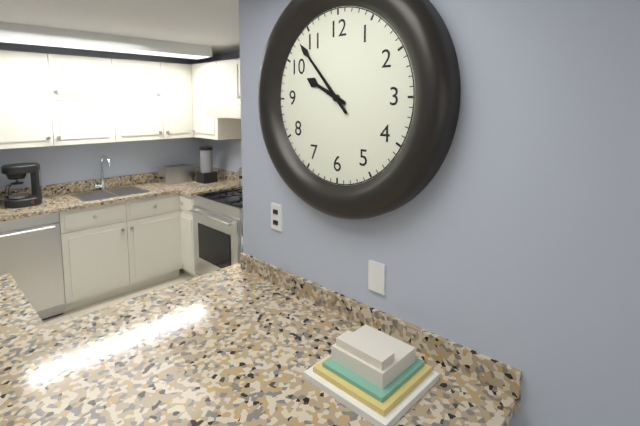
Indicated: **9:53**
